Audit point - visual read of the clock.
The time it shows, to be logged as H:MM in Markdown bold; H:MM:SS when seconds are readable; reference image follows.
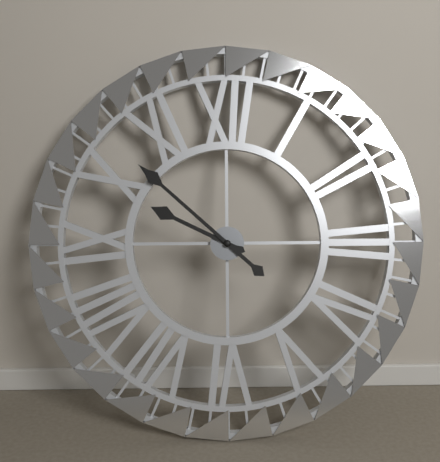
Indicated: **9:52**
